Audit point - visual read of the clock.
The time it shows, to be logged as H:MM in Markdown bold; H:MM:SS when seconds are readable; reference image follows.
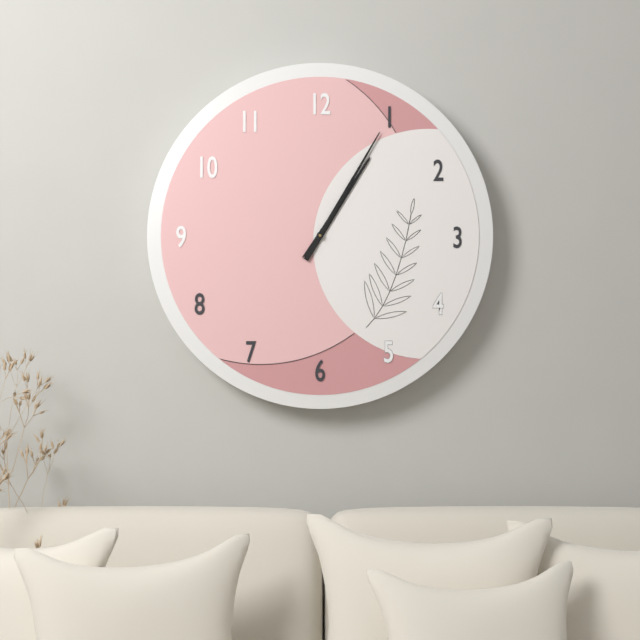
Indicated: **1:05**
